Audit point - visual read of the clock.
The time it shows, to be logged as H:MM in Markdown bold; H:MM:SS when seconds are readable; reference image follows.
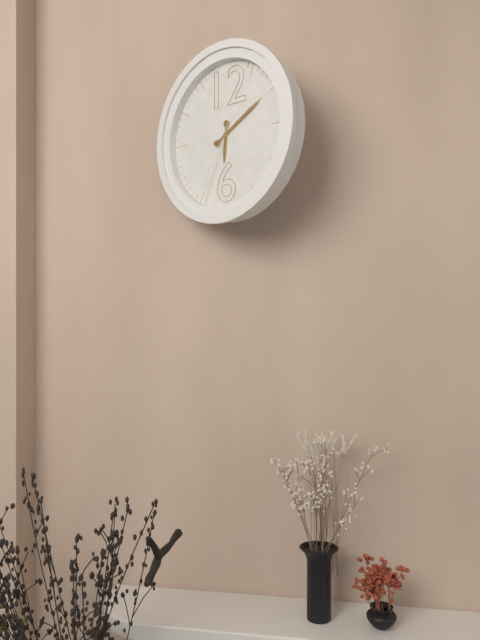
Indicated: **6:10:34**
